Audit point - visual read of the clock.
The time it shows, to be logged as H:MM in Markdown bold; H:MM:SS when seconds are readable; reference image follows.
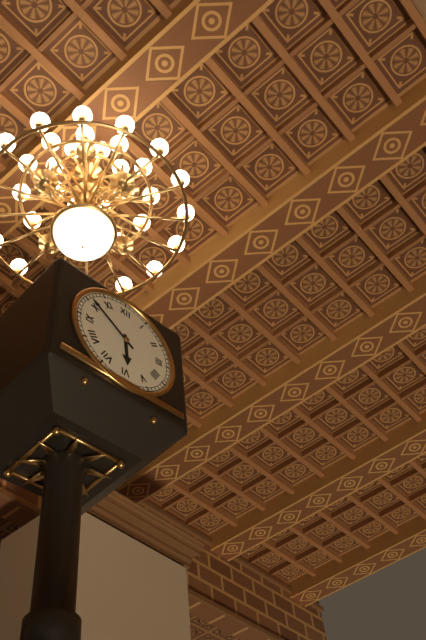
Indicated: **5:51**
